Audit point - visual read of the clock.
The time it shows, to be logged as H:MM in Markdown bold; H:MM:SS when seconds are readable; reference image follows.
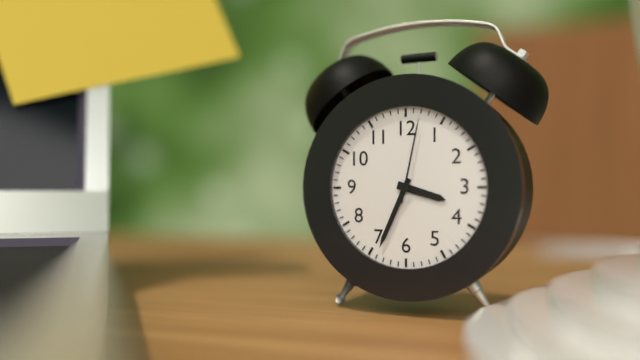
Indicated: **3:34:02**
